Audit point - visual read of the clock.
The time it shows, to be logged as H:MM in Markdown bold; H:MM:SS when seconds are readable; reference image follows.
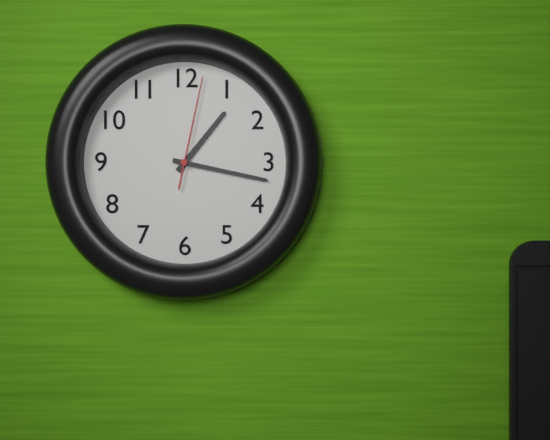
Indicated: **1:17:02**
